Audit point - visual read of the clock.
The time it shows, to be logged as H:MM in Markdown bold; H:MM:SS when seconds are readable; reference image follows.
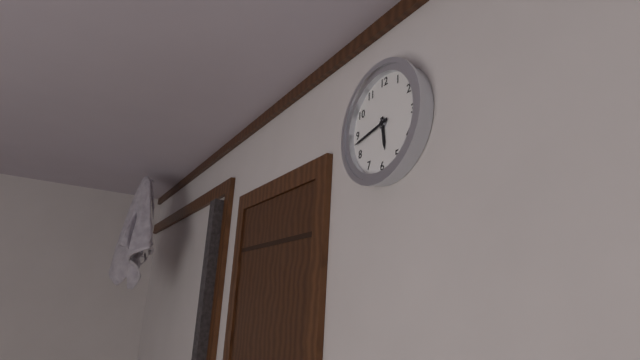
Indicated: **5:43**
